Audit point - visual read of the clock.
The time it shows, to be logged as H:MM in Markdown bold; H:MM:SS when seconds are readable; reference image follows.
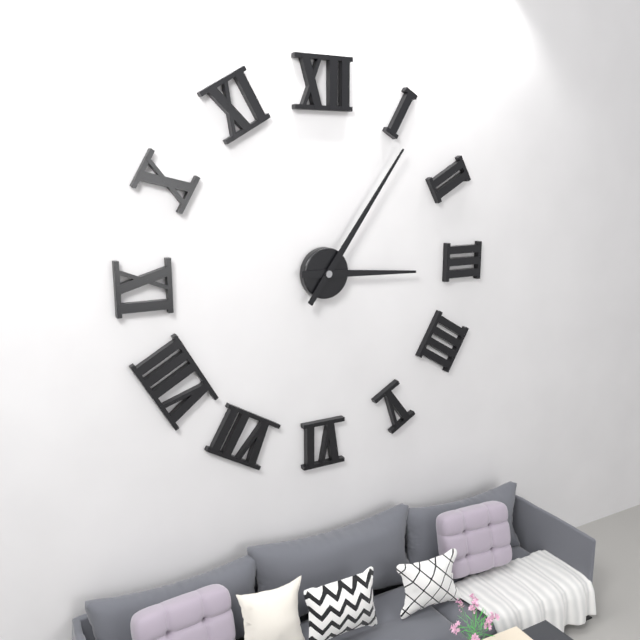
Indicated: **3:06**
